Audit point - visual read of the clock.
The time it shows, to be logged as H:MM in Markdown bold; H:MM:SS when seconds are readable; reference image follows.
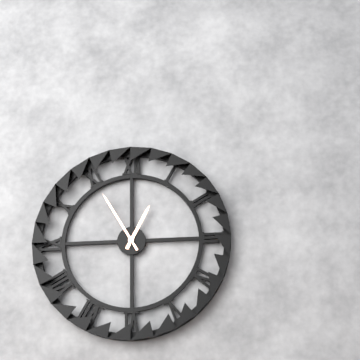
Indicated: **12:55**
